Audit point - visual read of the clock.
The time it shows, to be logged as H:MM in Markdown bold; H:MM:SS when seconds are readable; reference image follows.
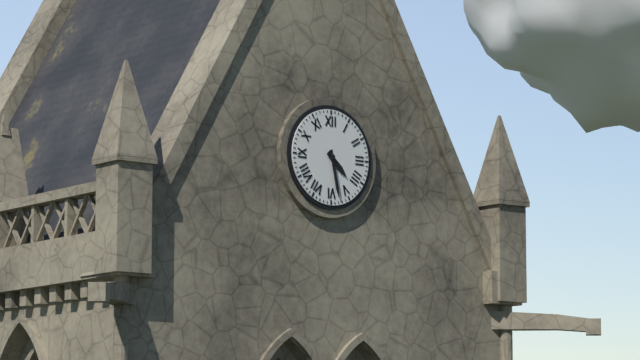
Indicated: **4:28**
